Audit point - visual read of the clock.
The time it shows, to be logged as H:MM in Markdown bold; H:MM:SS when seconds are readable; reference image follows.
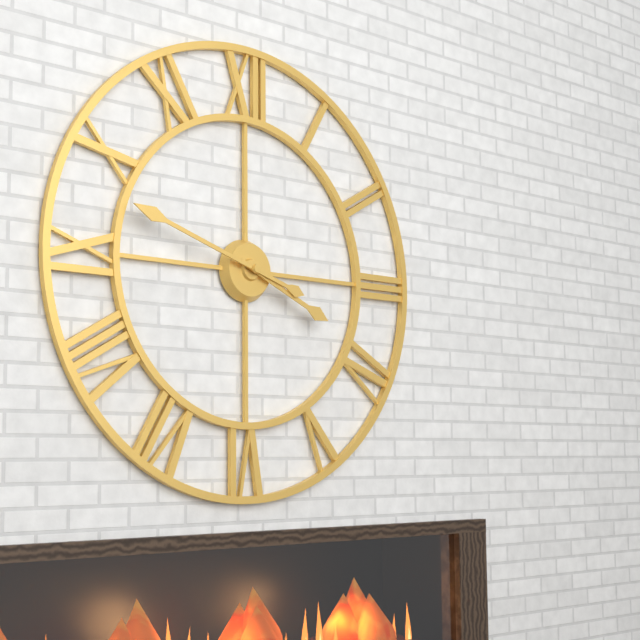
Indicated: **3:48**
